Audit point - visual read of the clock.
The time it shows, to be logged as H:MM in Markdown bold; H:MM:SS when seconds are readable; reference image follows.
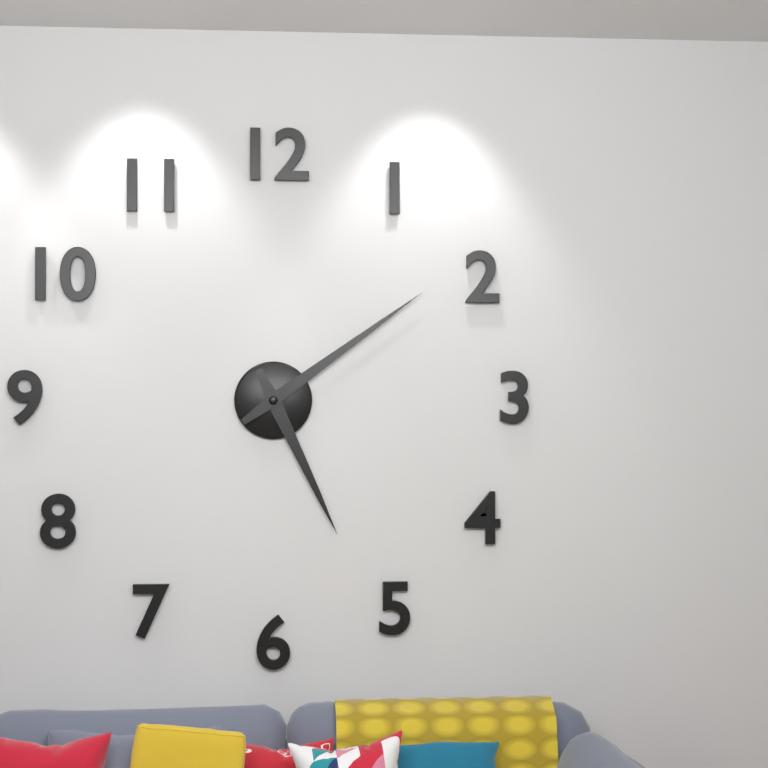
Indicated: **5:09**
